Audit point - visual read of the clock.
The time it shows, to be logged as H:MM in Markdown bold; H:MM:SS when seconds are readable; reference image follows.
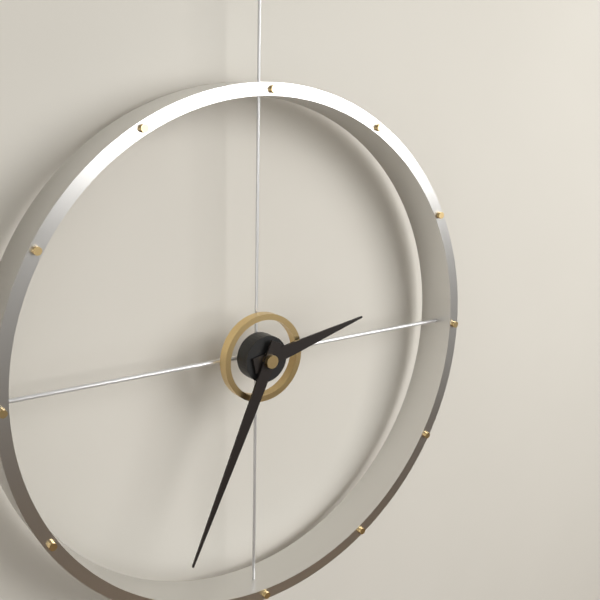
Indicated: **2:34**
